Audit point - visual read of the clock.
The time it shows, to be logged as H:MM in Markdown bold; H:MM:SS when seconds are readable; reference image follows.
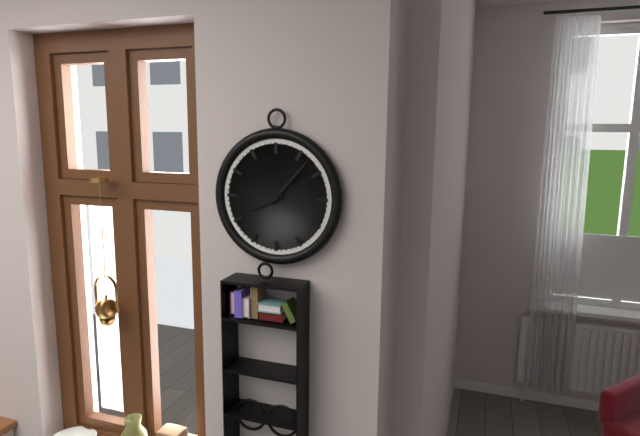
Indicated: **8:07**
